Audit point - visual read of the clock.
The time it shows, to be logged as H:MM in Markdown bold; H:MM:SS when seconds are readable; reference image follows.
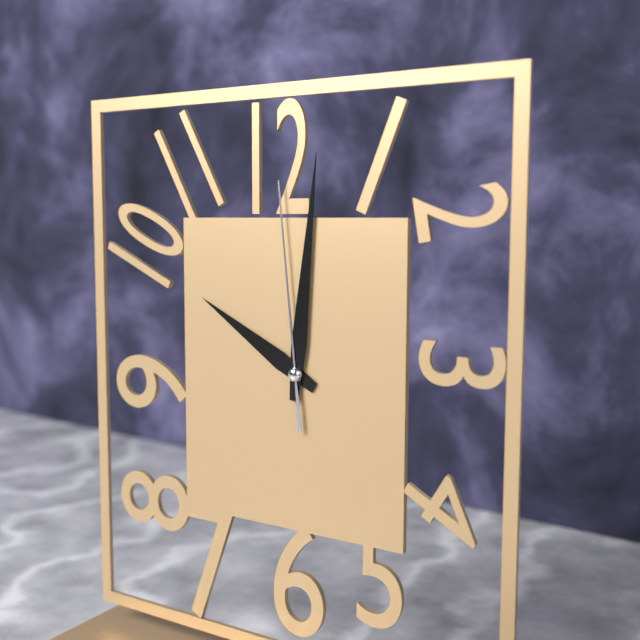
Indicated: **10:01:59**
